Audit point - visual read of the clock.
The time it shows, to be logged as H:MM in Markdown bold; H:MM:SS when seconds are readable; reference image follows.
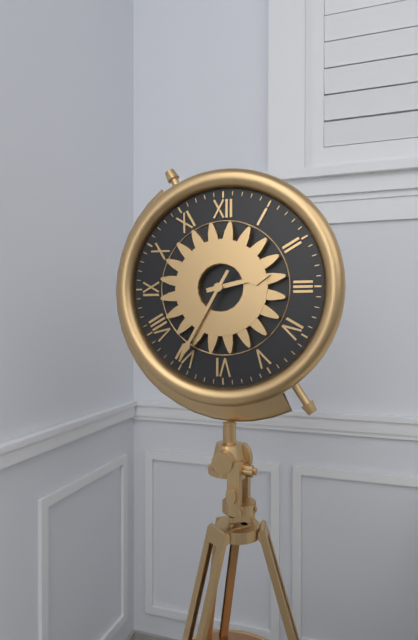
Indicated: **2:35**
